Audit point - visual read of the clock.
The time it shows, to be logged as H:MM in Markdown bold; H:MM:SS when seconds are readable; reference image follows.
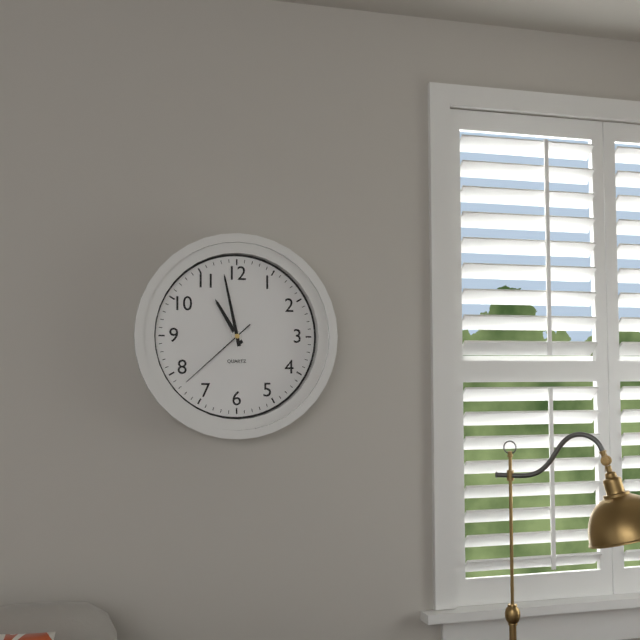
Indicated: **10:58:38**
